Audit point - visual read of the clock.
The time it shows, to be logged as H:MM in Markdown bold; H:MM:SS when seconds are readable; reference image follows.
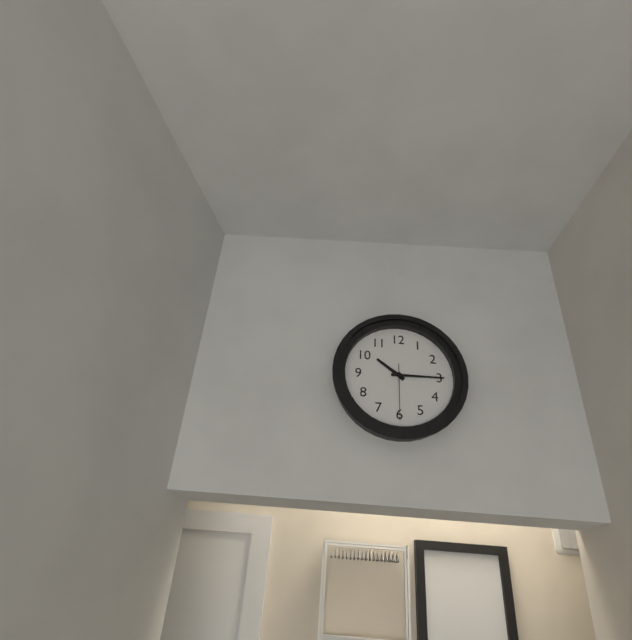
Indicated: **10:15:30**
